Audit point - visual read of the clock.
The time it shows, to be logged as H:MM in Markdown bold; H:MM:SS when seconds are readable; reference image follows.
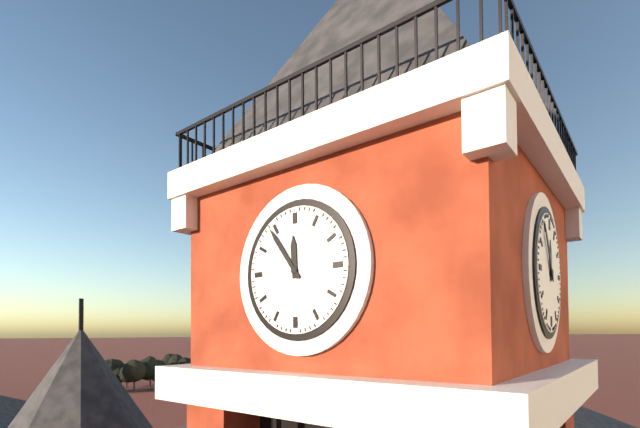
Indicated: **11:54**
